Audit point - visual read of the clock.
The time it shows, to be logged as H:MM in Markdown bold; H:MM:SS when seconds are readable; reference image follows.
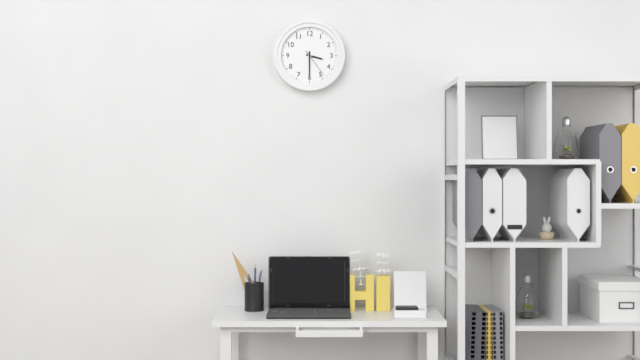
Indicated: **3:30**
